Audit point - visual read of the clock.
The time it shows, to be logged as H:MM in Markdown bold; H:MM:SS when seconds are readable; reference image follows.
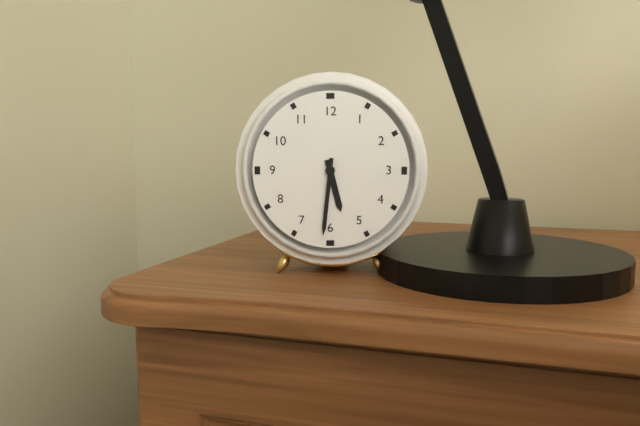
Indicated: **5:31**
